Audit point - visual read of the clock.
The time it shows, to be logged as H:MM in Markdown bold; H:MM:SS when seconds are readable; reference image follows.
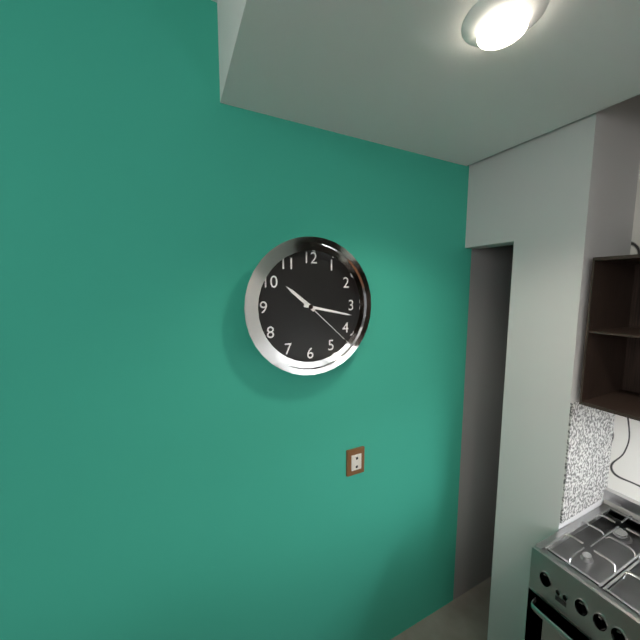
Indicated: **10:17:22**
